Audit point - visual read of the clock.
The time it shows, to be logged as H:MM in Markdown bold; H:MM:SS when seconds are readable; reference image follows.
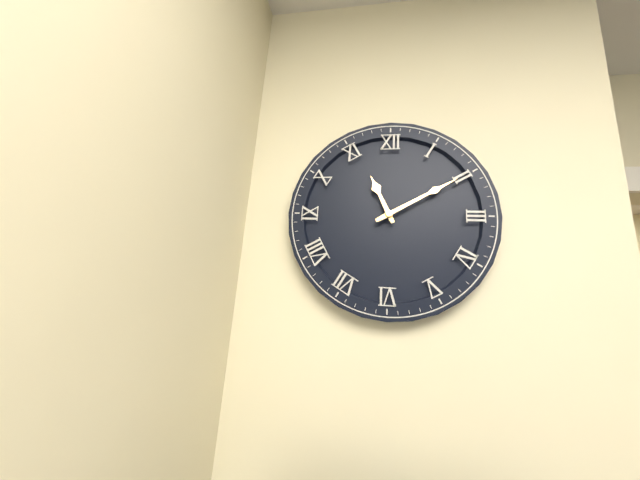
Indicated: **11:10**
